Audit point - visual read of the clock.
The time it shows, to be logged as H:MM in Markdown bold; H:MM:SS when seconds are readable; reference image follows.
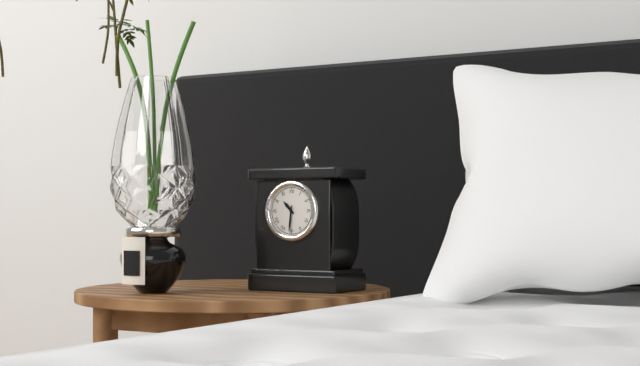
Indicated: **10:31**
